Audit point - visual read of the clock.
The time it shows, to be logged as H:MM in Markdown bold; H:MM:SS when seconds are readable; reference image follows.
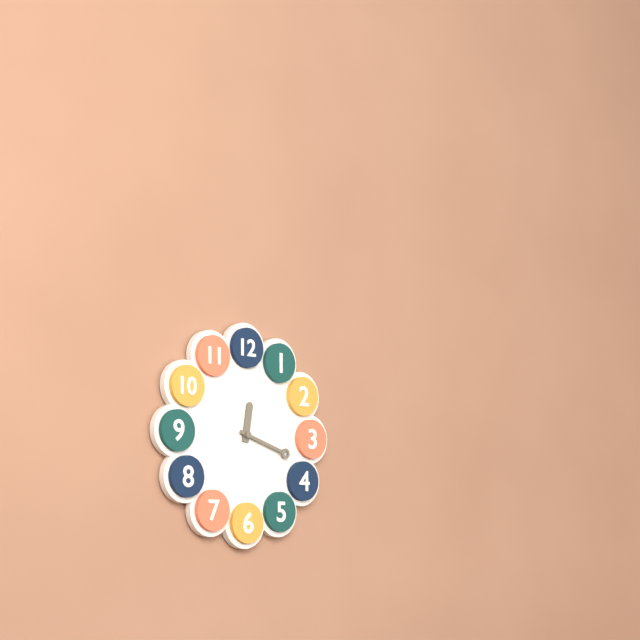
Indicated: **12:18**
